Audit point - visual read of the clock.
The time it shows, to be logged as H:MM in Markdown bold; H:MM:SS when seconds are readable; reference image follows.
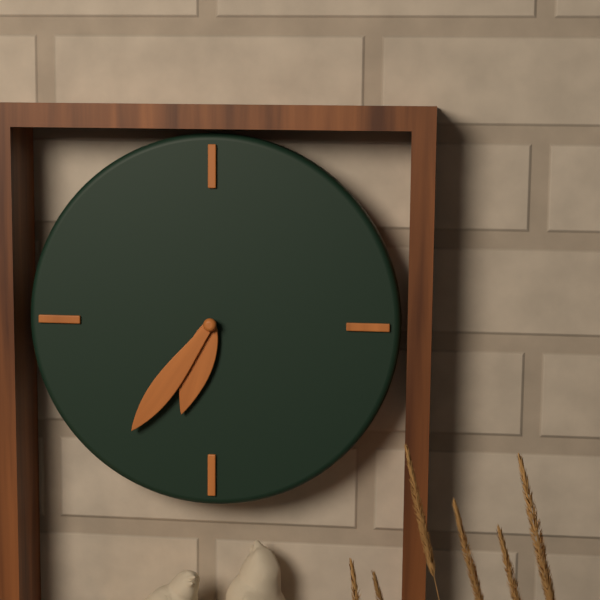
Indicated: **6:36**
